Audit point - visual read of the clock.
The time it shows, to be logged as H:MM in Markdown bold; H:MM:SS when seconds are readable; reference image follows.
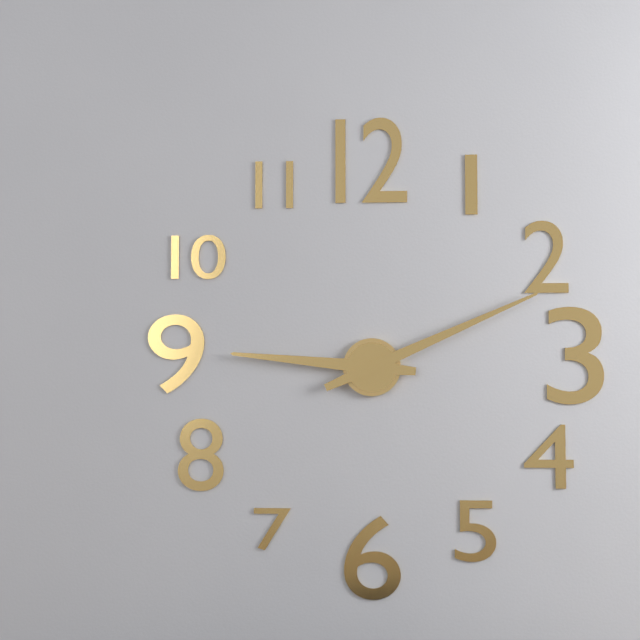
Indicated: **9:11**
